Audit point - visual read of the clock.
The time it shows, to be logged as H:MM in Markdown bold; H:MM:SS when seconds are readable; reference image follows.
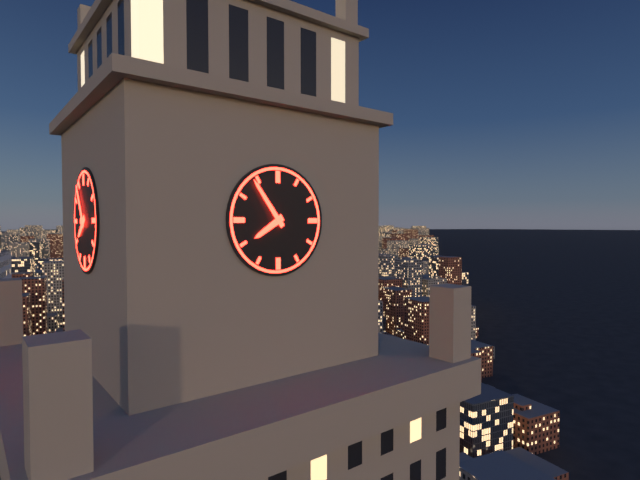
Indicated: **7:54**
